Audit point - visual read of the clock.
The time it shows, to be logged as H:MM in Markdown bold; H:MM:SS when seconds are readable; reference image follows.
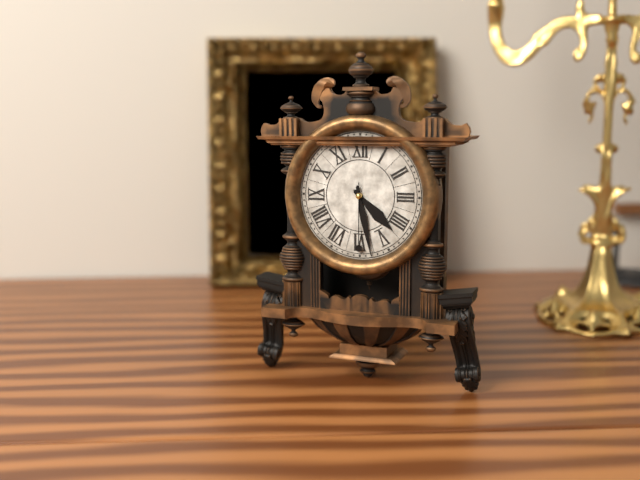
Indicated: **4:28:30**
